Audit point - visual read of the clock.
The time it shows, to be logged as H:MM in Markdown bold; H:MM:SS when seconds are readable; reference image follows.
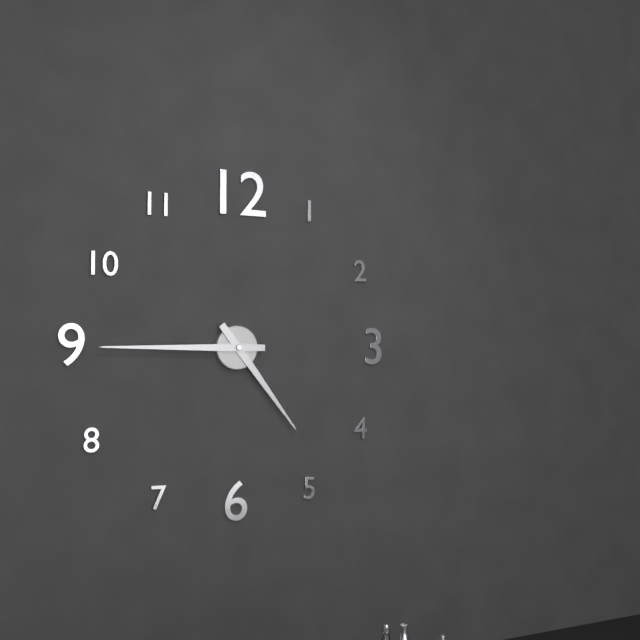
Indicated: **4:45**
